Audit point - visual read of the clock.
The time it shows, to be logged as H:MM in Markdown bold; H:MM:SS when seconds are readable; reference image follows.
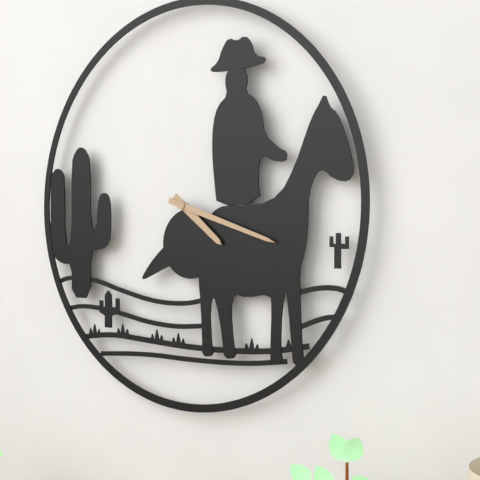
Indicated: **4:18**
